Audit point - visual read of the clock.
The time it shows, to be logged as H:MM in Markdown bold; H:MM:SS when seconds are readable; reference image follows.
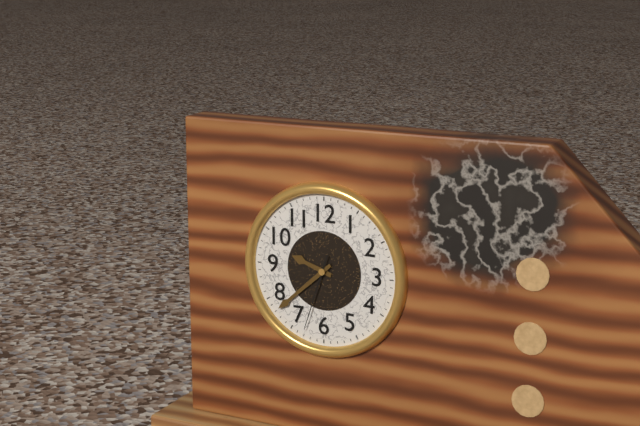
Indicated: **9:38:33**
